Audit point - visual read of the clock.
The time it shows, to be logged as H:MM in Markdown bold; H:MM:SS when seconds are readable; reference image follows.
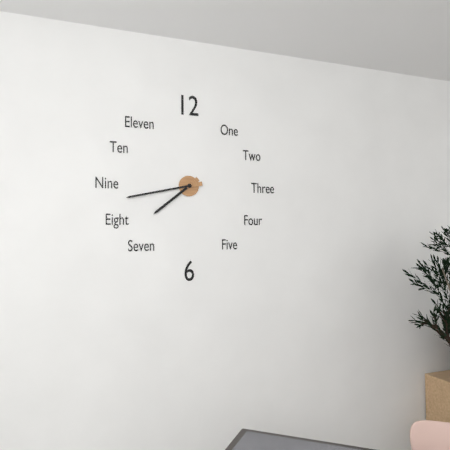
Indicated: **7:43**
